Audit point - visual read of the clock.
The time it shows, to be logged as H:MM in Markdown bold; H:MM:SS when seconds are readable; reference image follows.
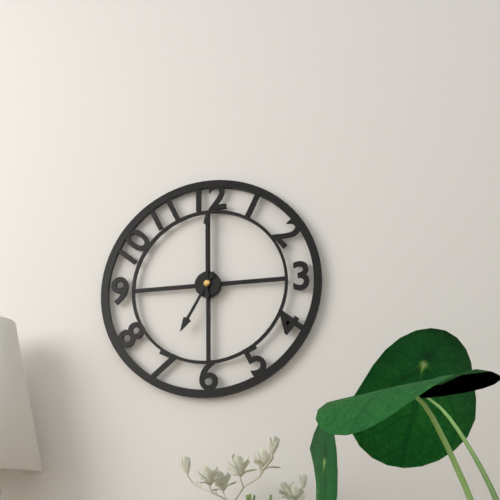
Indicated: **7:00**
